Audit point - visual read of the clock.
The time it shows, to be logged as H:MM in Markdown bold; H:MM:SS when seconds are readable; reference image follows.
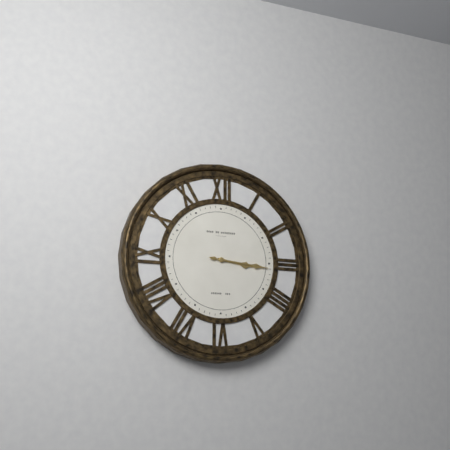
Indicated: **3:16**
